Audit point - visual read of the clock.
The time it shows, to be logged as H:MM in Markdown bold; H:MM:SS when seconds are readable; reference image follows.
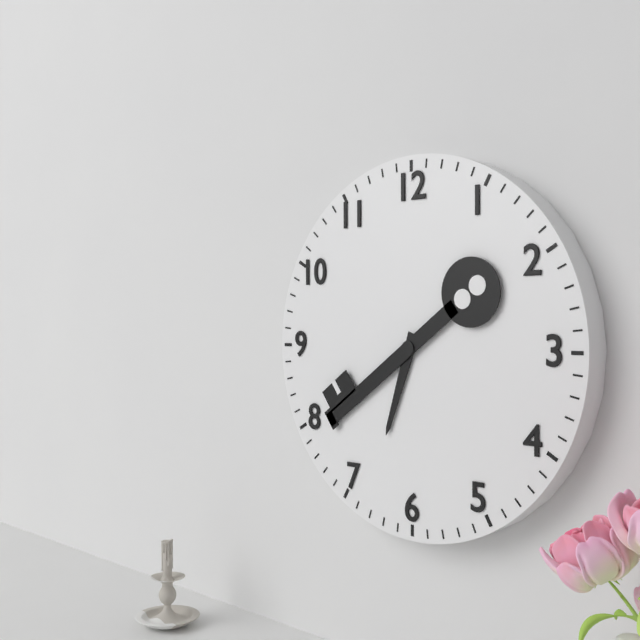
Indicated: **6:39**
